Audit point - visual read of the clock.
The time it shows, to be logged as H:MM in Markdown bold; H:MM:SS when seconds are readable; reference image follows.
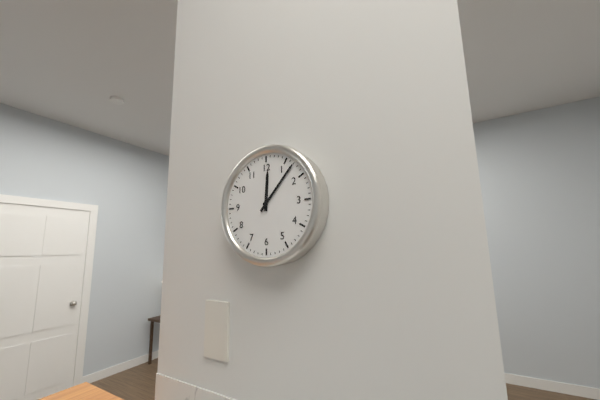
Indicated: **12:07**
